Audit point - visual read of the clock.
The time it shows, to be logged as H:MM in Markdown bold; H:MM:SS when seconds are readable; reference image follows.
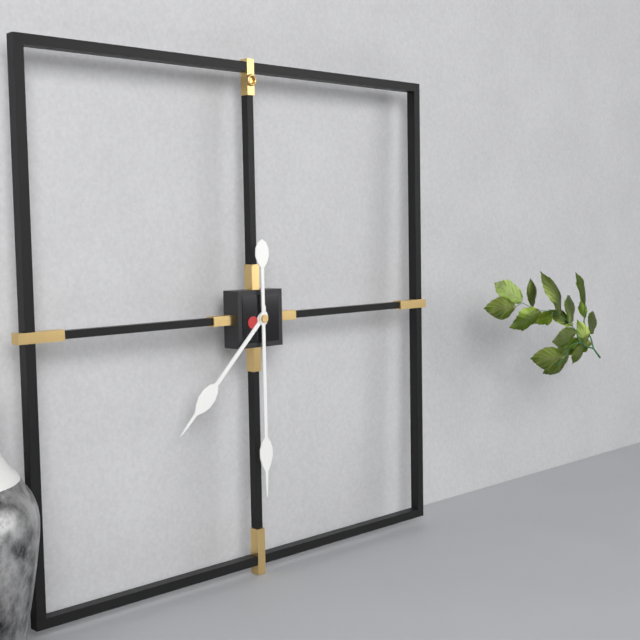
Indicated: **7:30**
